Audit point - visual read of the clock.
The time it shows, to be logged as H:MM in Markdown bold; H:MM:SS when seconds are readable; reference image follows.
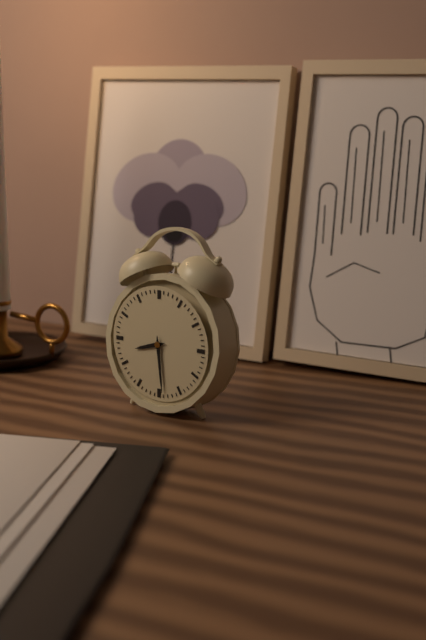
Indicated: **8:29**
